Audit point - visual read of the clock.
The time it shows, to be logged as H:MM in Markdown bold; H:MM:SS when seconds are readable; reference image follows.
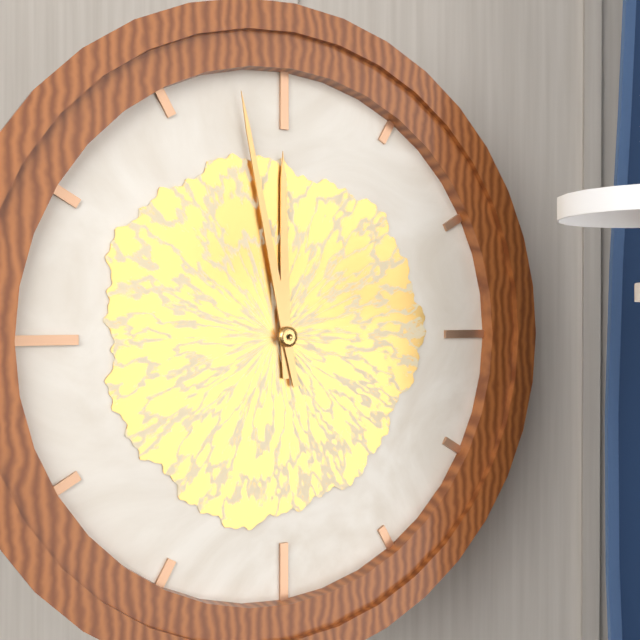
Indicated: **11:58**
